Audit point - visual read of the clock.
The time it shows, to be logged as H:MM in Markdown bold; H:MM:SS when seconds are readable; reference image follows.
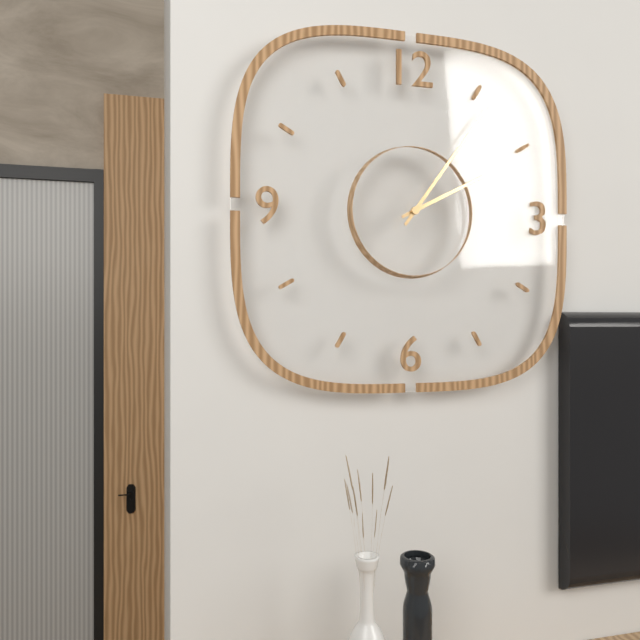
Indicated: **2:06**
